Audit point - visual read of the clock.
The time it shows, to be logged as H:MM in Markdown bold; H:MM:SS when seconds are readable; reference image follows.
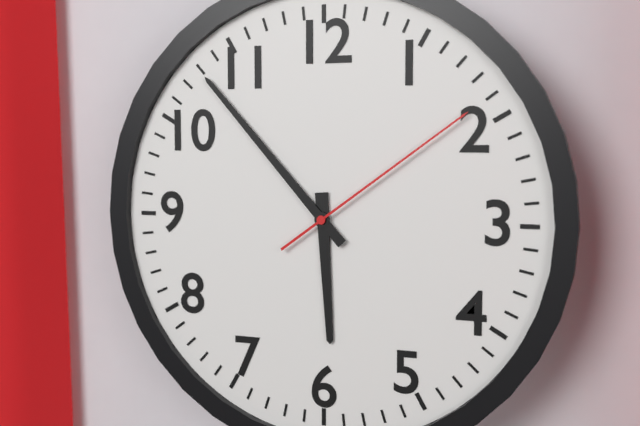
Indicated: **5:53:09**
